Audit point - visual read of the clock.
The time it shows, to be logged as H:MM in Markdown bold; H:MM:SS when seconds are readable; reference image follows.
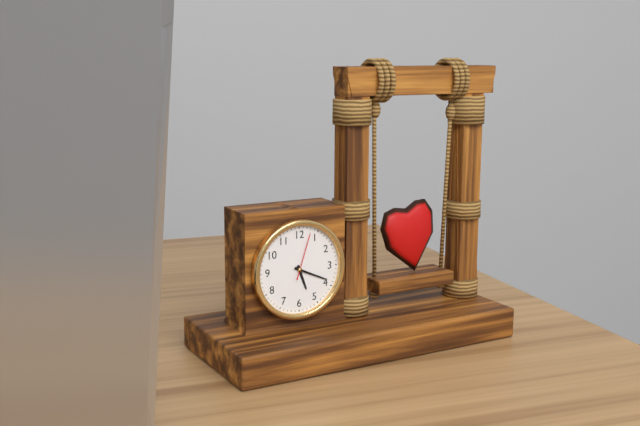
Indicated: **5:19**
